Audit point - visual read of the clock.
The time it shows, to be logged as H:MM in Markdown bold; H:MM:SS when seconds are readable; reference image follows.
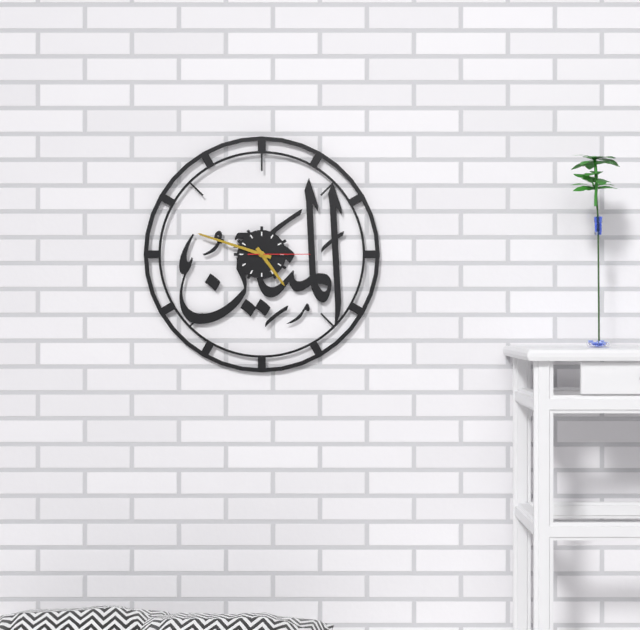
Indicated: **4:48:15**
